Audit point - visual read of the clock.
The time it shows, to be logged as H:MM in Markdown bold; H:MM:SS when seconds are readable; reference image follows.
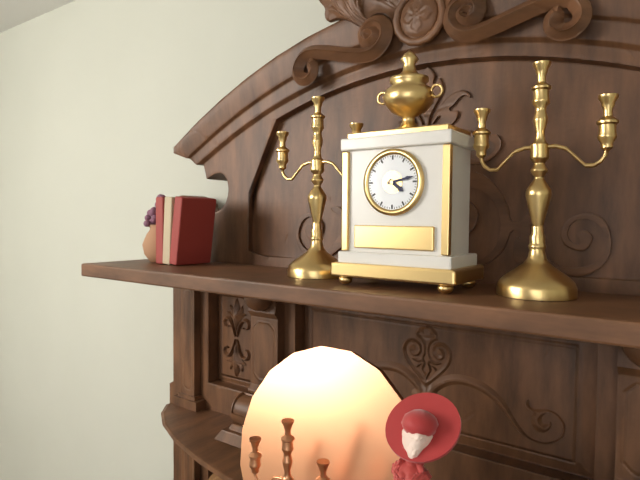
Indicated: **4:13**
